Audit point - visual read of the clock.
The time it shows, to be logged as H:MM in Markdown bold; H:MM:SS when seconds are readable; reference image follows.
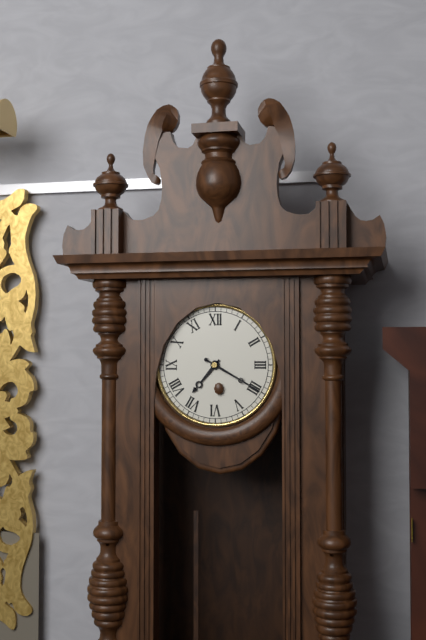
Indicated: **7:20**
